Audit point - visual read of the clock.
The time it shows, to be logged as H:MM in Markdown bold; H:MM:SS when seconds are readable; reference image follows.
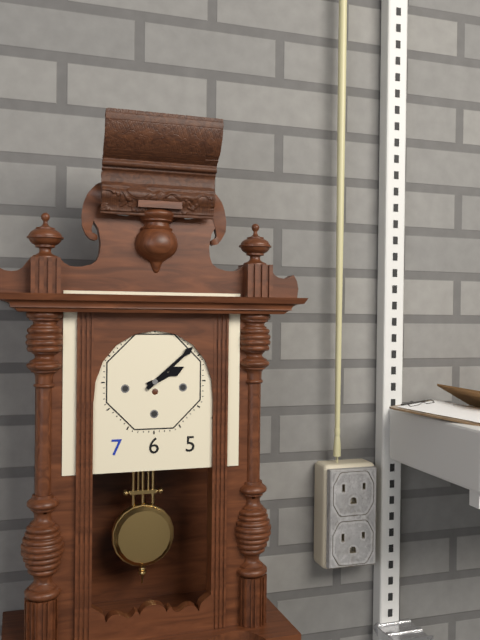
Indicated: **2:08**
